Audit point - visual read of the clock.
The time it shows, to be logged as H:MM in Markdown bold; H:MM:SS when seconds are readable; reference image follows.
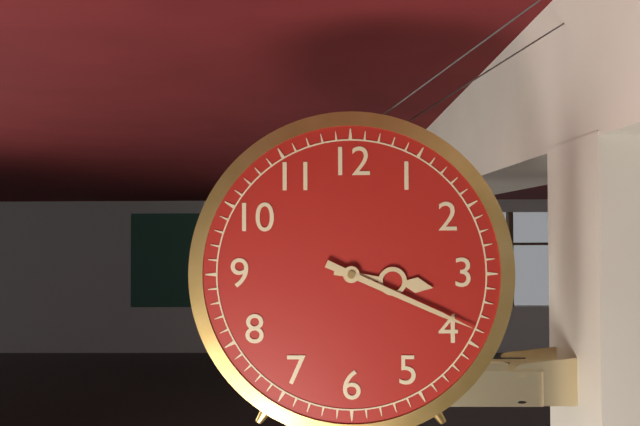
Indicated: **3:19**
